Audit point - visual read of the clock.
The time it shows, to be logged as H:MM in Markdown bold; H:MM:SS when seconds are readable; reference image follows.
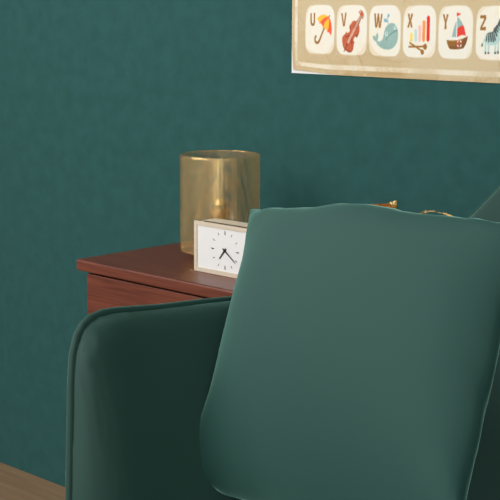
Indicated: **7:21**
